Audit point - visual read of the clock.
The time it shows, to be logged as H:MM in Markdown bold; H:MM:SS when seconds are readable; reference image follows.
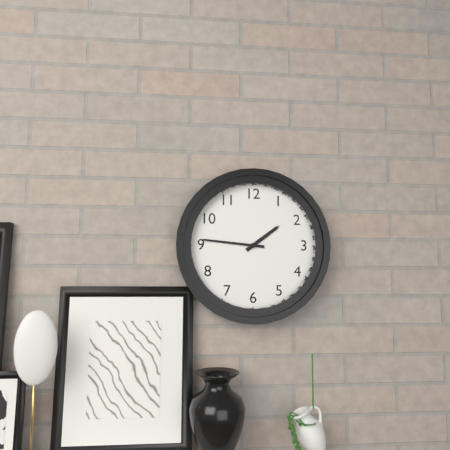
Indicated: **1:46**
